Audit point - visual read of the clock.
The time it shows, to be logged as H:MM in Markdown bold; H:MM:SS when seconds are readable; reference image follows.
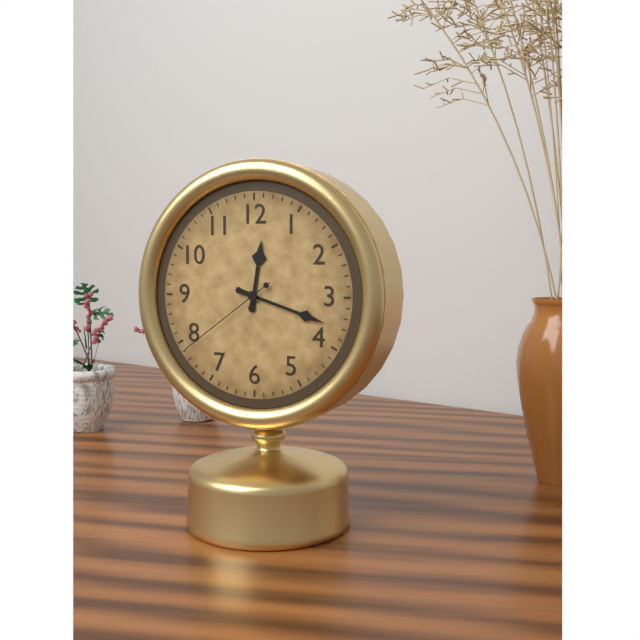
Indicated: **12:18:39**
